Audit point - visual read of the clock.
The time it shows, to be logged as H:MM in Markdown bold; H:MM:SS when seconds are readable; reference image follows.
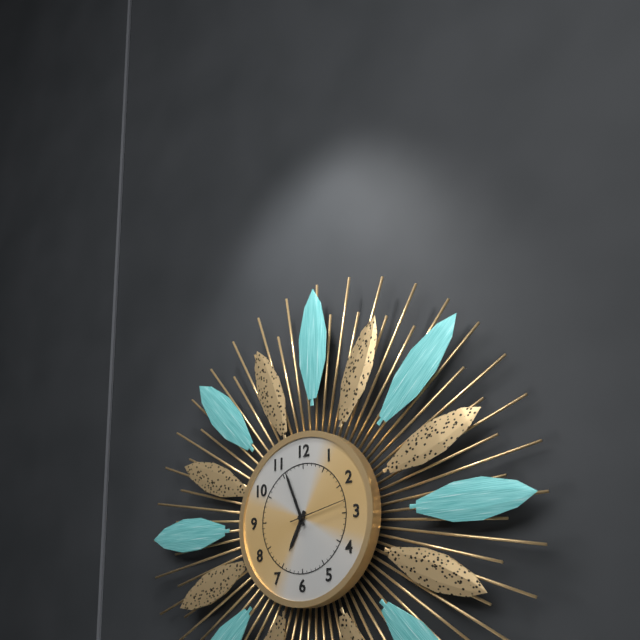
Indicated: **6:56**
